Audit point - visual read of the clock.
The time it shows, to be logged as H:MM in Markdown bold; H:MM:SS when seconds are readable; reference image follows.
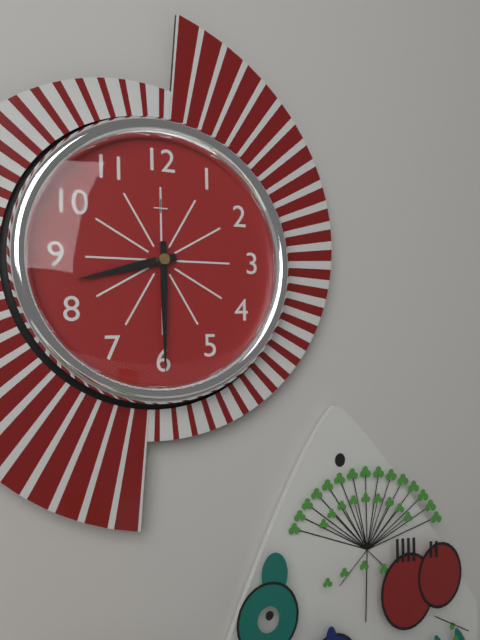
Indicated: **8:30**
